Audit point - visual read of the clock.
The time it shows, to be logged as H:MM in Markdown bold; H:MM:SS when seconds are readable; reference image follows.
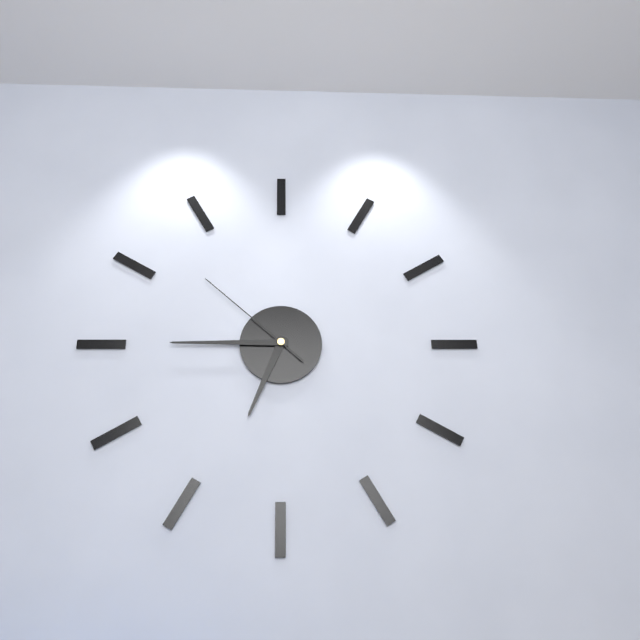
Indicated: **6:45:52**
